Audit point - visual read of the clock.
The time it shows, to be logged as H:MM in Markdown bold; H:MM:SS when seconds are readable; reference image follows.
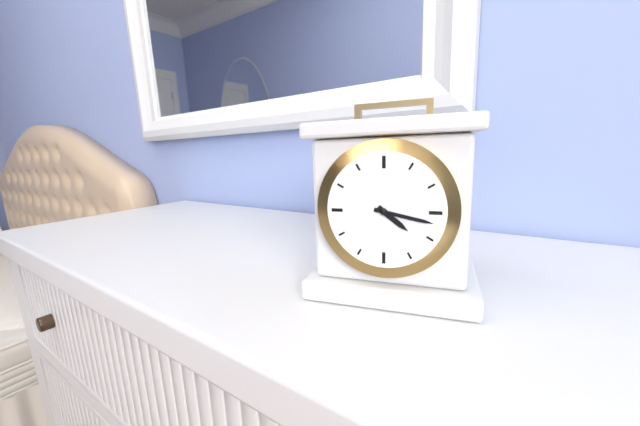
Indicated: **4:17**
